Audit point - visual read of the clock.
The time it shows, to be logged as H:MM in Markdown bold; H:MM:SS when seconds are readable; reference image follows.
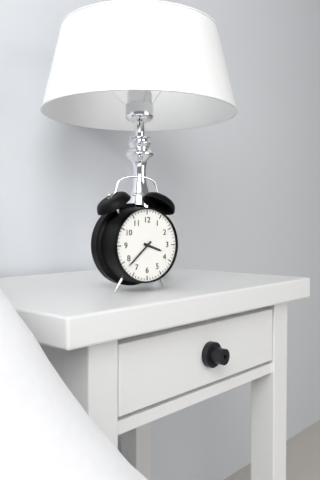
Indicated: **3:38**
